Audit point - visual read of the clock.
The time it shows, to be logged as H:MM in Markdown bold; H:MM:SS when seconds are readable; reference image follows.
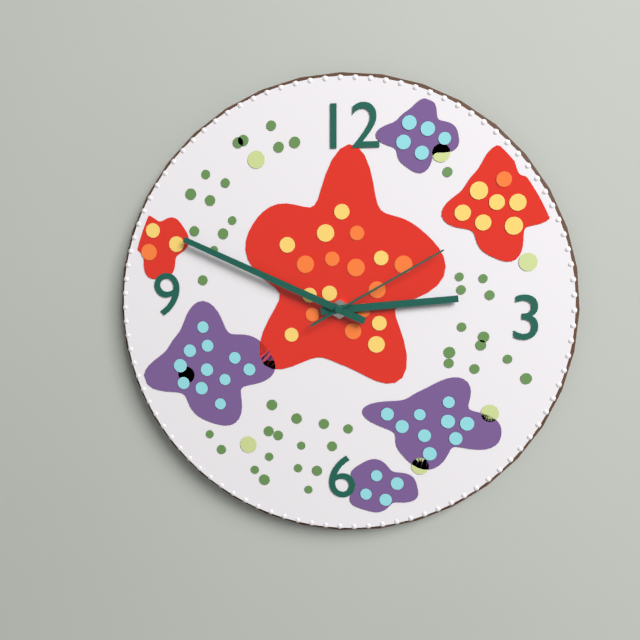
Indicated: **2:49:10**
